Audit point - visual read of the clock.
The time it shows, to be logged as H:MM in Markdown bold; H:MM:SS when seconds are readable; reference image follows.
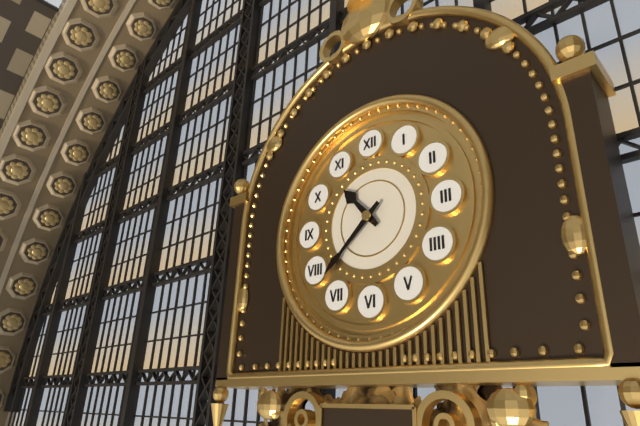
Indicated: **10:38**
